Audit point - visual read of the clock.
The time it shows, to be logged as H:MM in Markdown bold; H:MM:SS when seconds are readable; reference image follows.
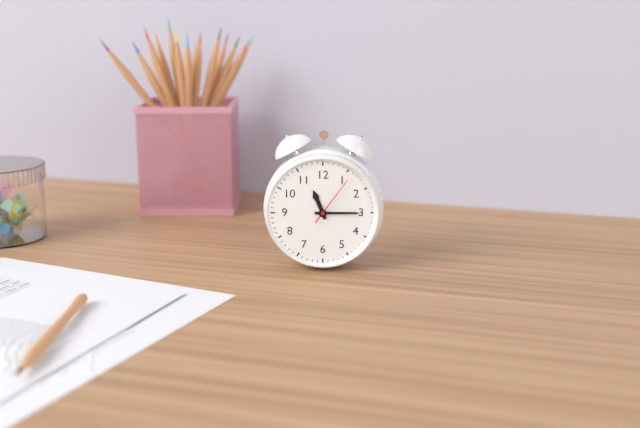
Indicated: **11:15:06**
